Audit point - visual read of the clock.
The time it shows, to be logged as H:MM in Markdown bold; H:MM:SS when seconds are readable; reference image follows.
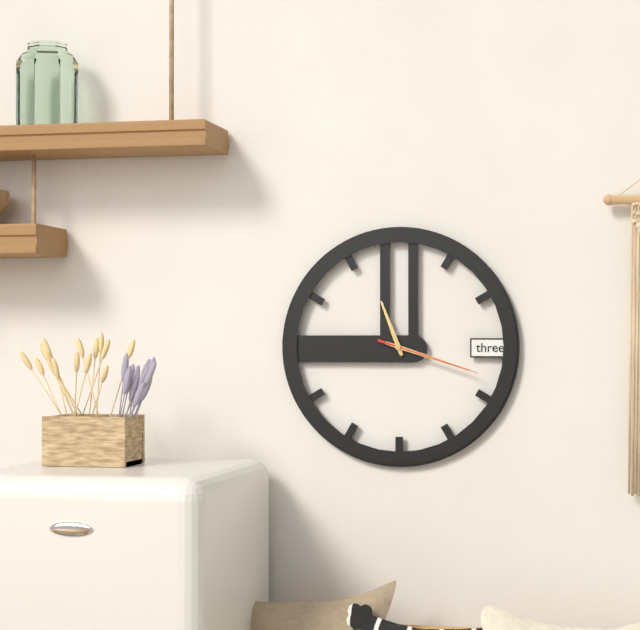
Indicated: **11:18:18**
